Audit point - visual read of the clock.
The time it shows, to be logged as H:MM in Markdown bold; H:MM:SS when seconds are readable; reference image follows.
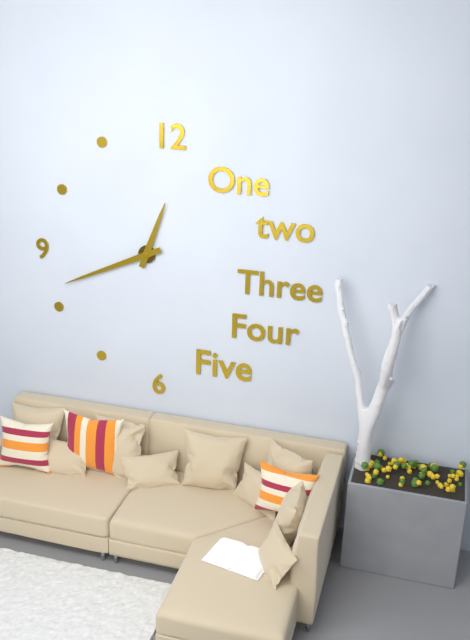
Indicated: **12:41**
